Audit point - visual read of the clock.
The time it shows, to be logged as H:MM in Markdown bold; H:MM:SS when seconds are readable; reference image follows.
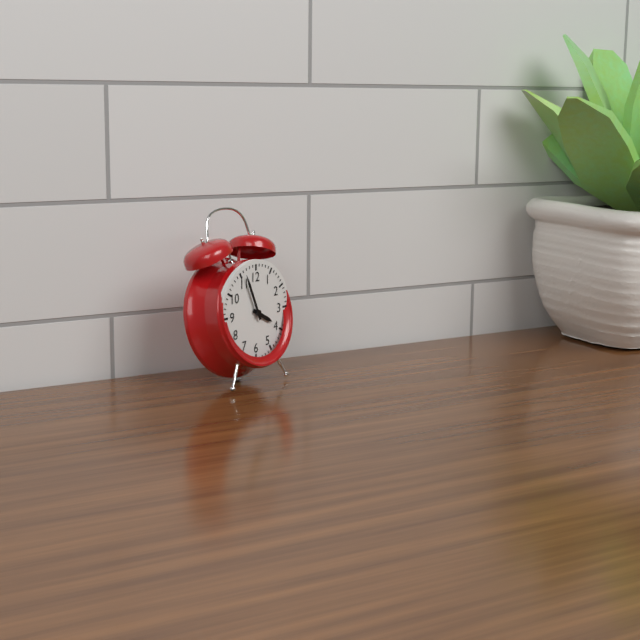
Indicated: **3:56**
